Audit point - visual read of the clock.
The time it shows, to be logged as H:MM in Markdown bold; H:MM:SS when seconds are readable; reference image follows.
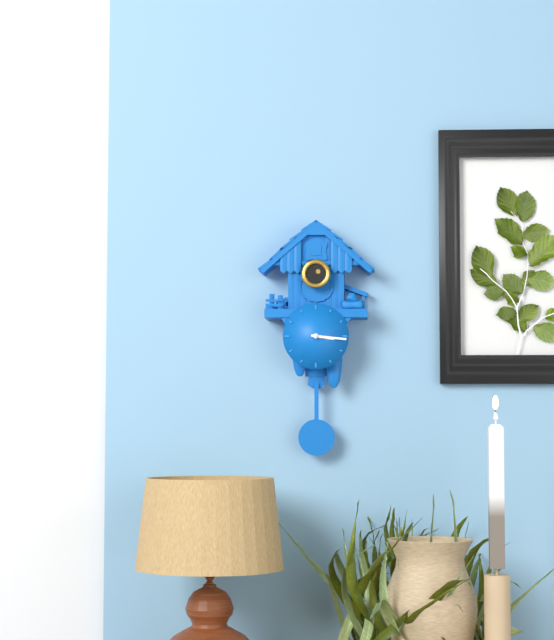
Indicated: **3:16**
